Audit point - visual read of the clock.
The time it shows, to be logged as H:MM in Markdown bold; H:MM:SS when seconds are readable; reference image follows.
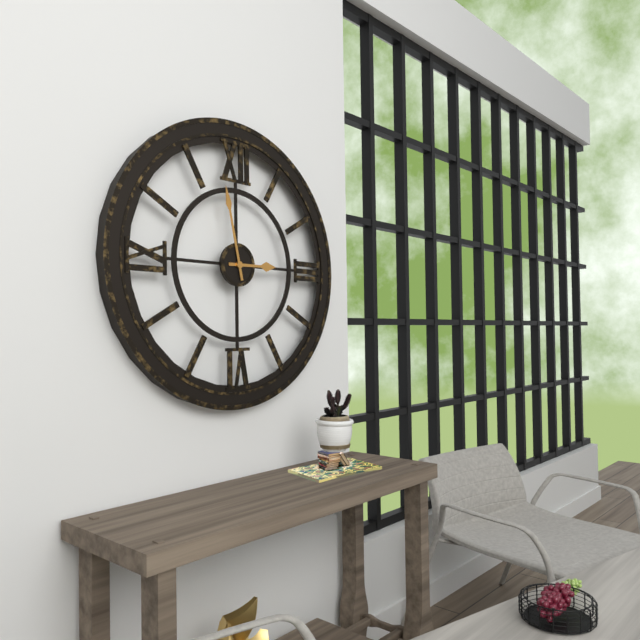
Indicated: **2:58**
